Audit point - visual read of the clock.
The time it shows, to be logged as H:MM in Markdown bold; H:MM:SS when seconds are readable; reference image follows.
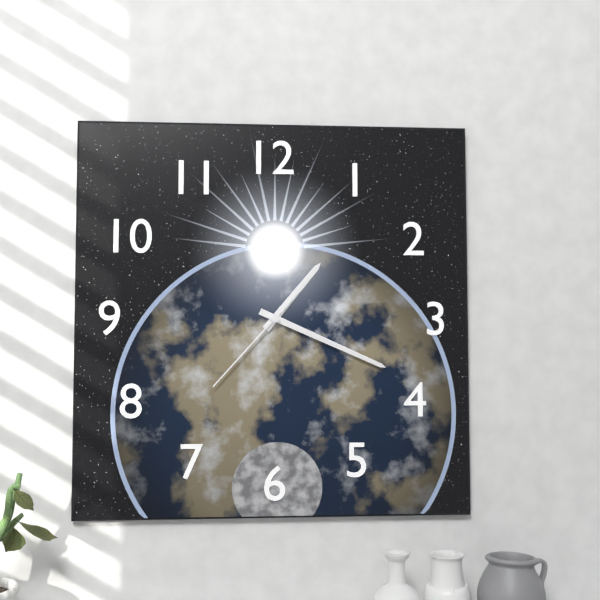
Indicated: **1:19:37**
